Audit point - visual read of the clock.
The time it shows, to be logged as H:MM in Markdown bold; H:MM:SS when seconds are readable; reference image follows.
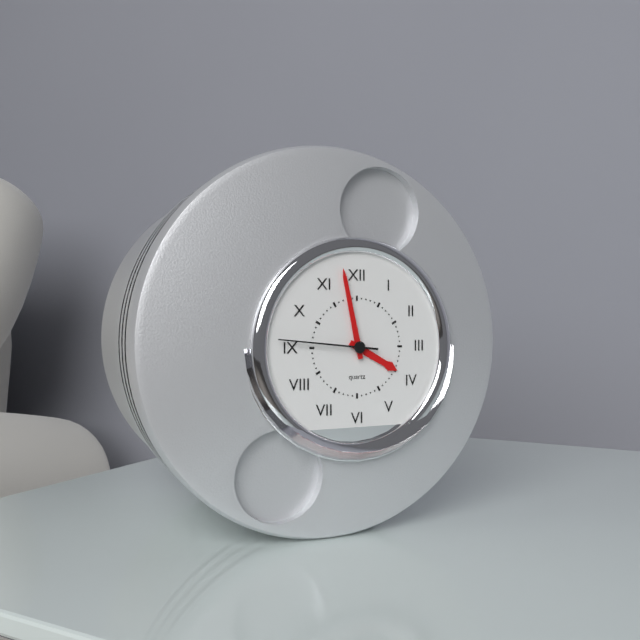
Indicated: **3:58:46**
